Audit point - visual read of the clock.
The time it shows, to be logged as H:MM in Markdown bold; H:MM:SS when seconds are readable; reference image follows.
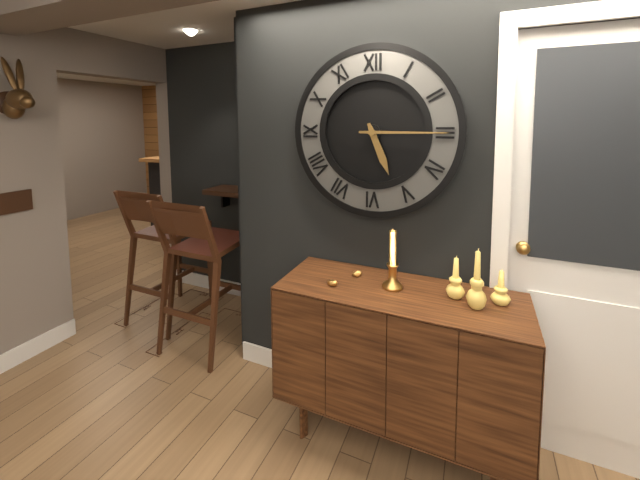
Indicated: **5:15**
